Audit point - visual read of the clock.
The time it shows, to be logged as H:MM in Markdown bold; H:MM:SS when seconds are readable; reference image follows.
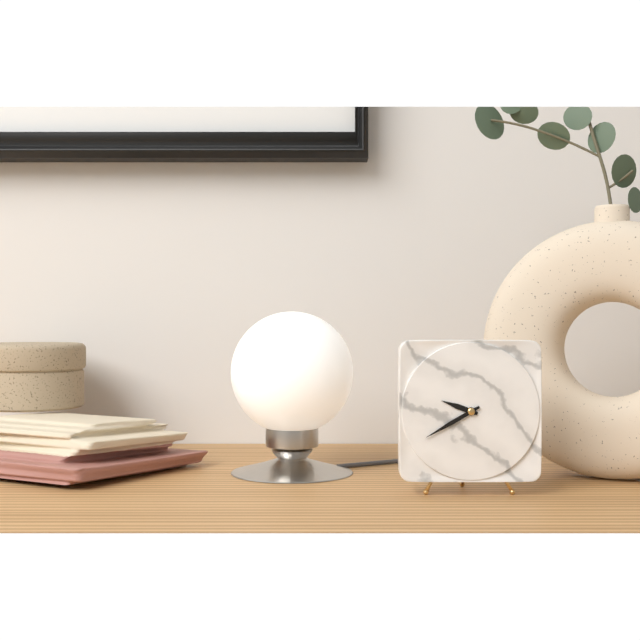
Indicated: **9:40**
